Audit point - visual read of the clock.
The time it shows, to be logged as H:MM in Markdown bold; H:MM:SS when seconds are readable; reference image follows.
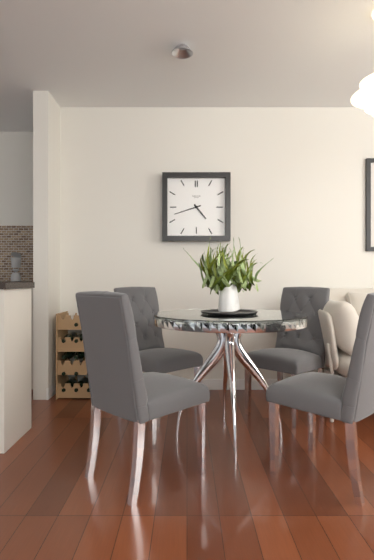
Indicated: **4:42**
